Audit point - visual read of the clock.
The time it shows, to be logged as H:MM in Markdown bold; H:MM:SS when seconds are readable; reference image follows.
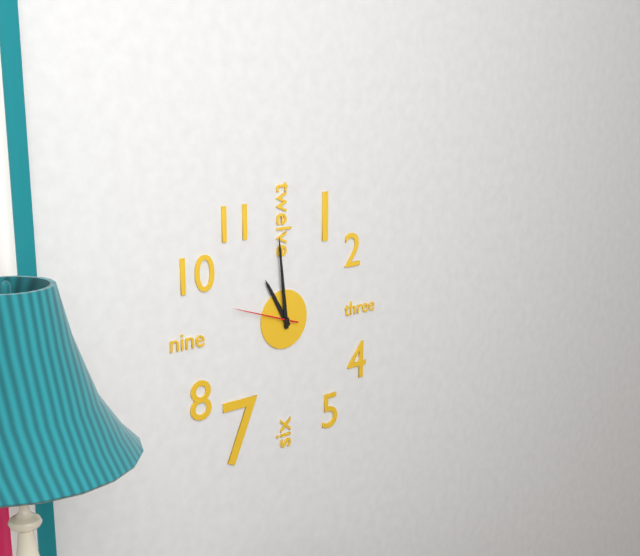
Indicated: **10:59:48**
